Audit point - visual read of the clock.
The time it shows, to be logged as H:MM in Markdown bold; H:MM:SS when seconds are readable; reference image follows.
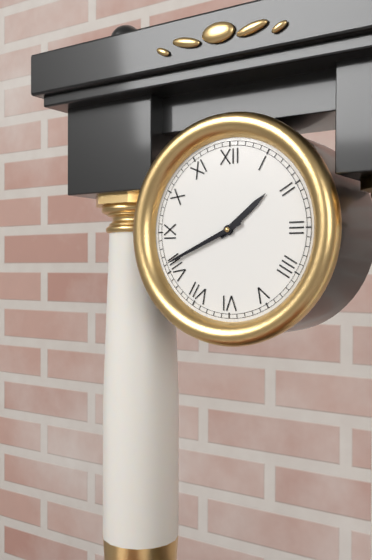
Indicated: **1:41**
